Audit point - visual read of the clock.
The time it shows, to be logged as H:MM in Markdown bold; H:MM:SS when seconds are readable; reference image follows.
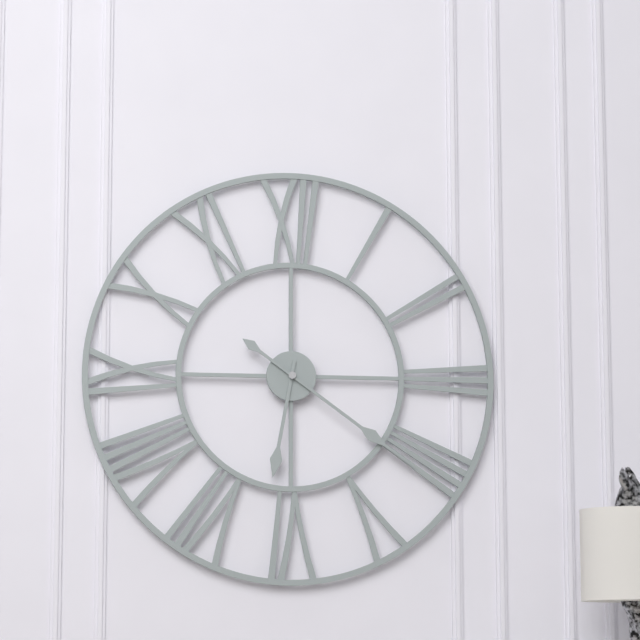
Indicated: **6:21**
